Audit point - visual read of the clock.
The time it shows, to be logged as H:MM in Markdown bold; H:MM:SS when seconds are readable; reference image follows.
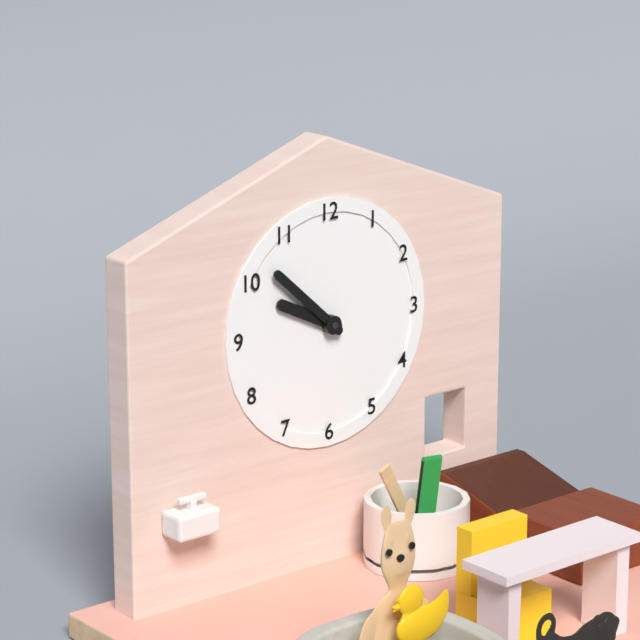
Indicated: **9:52**
